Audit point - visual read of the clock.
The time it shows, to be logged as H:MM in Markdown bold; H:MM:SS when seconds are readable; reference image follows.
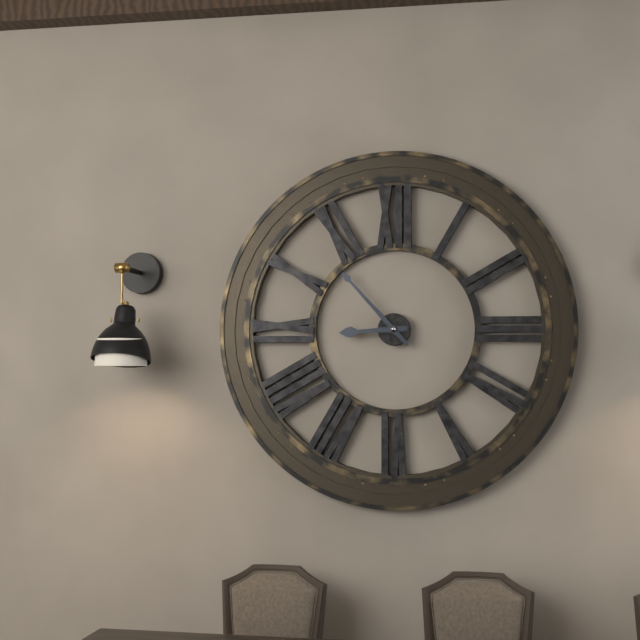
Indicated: **8:53**
